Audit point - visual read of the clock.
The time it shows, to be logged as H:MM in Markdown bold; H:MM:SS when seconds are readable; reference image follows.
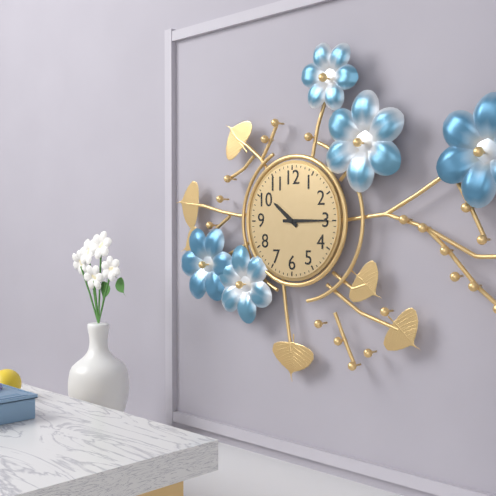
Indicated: **10:15**
